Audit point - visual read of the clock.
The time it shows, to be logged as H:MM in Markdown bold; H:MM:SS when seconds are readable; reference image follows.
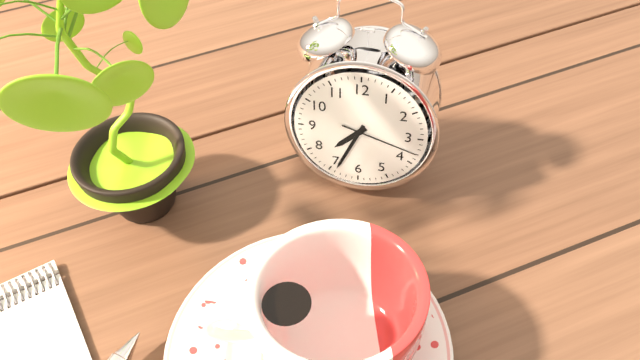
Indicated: **7:34:18**
